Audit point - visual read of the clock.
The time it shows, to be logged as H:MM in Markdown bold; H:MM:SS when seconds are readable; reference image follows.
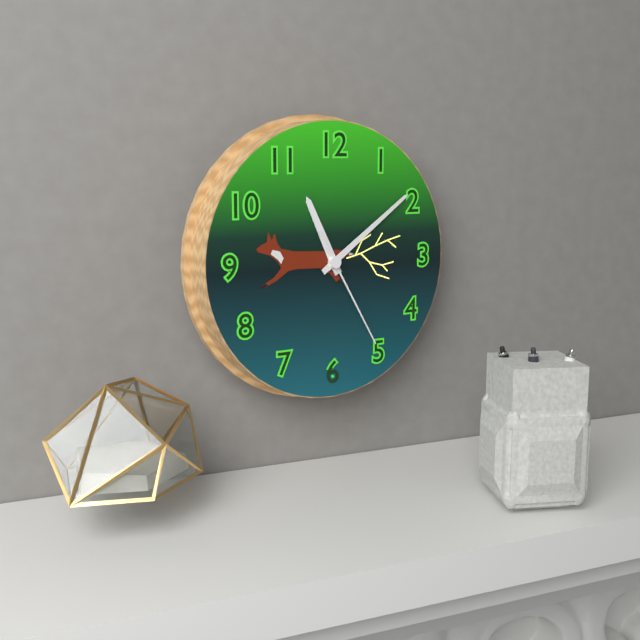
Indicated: **11:09:25**
